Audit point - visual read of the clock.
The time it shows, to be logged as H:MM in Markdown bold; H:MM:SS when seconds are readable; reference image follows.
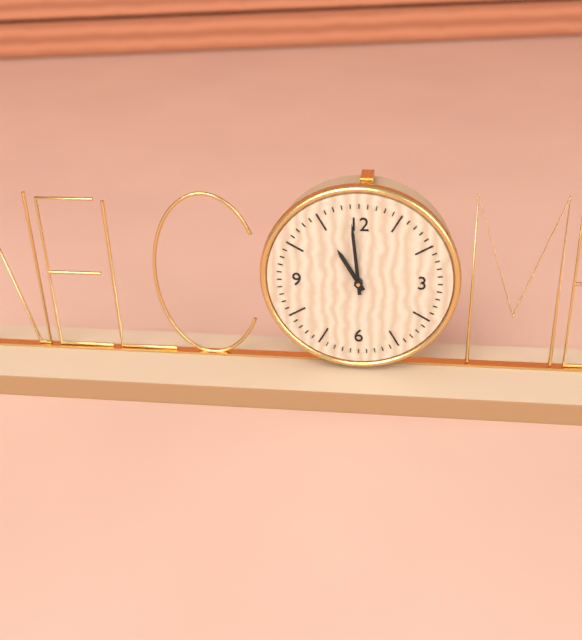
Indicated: **10:59**
